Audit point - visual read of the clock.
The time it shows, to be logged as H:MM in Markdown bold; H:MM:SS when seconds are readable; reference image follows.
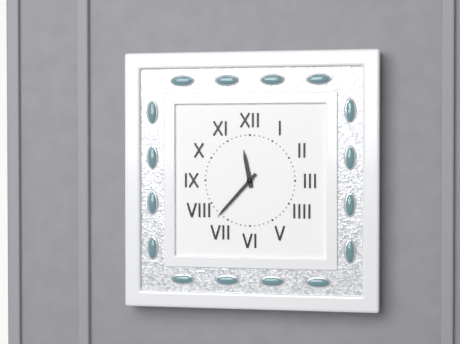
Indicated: **11:37**
